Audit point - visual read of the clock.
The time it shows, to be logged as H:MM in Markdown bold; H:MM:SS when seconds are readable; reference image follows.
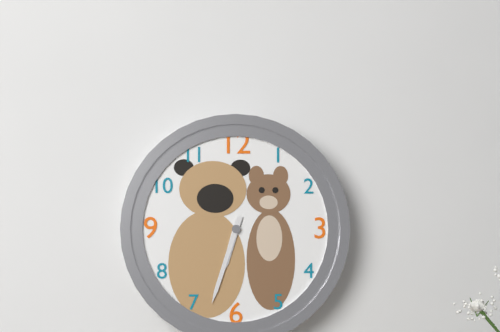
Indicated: **6:33**
